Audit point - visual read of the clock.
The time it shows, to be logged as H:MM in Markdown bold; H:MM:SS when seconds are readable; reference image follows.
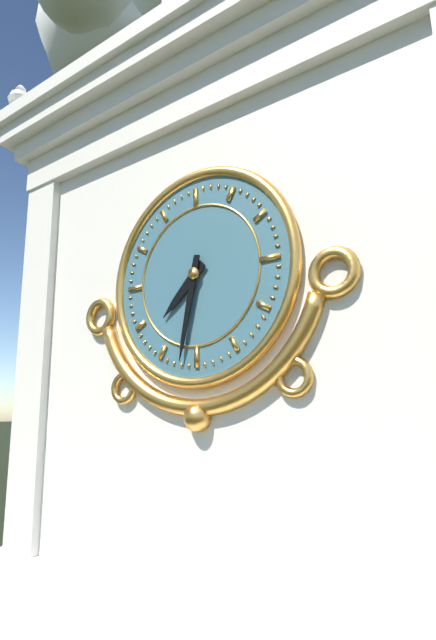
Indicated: **7:32**
